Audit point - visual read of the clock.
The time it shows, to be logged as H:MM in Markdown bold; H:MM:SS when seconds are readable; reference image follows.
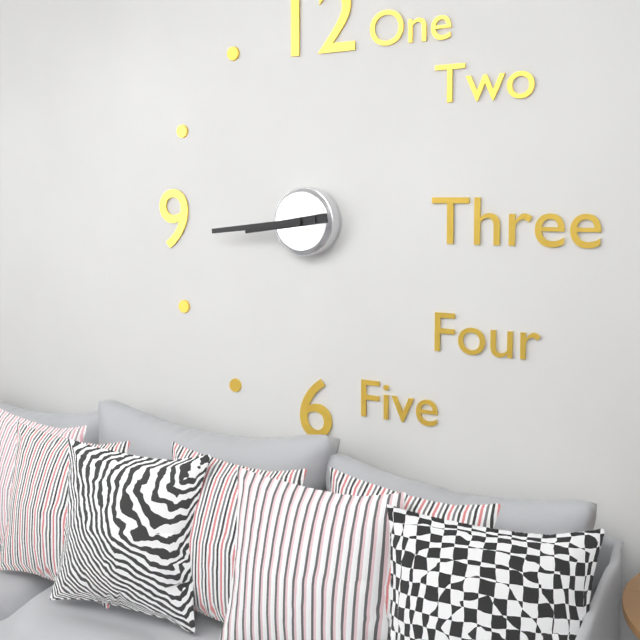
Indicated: **8:44**
